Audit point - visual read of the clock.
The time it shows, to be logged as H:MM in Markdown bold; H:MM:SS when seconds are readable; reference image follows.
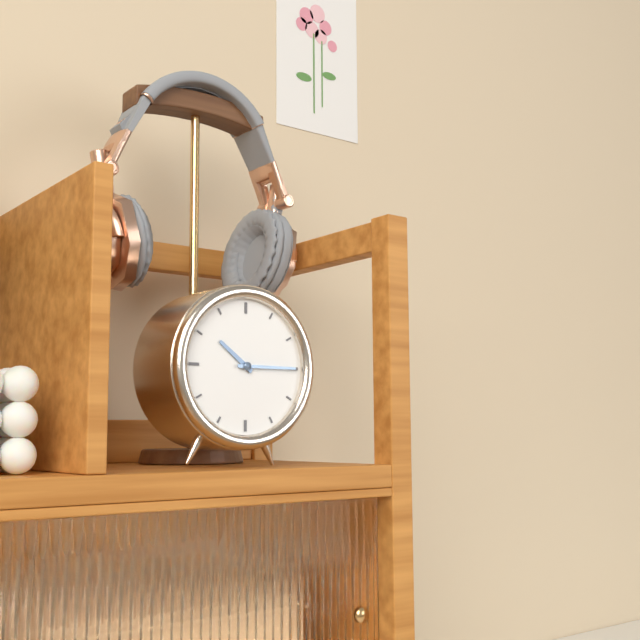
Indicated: **10:15**
